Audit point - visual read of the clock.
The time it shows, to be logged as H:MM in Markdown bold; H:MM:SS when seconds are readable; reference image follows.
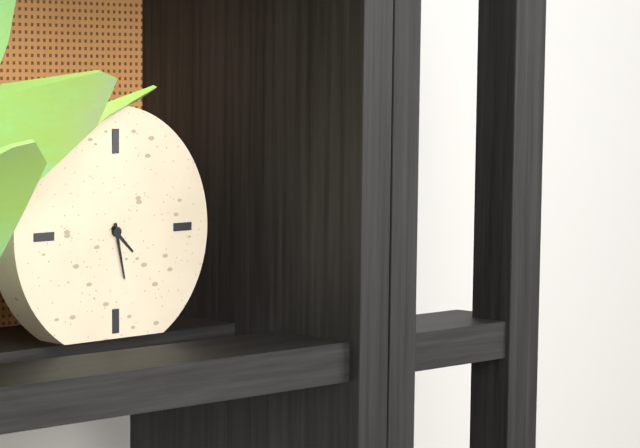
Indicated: **4:28**
